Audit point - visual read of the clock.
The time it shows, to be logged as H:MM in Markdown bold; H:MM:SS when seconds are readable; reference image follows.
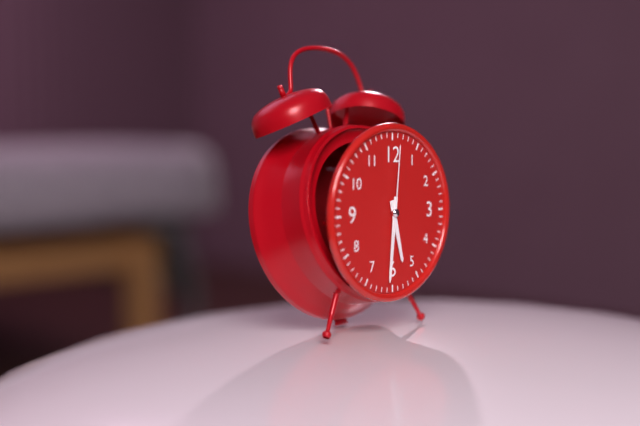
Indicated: **5:31:01**
